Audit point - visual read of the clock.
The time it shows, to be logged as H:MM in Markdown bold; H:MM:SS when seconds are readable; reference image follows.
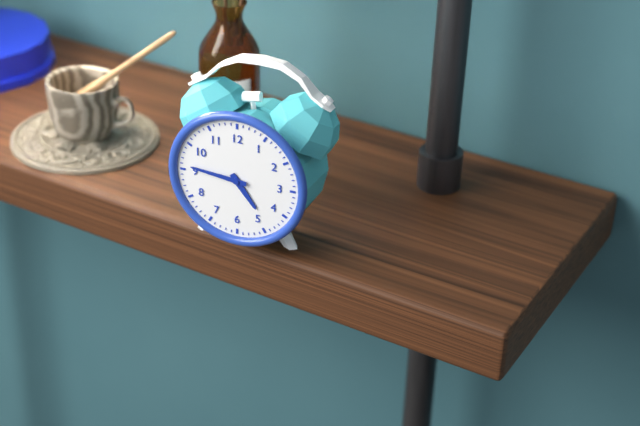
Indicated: **4:46**
